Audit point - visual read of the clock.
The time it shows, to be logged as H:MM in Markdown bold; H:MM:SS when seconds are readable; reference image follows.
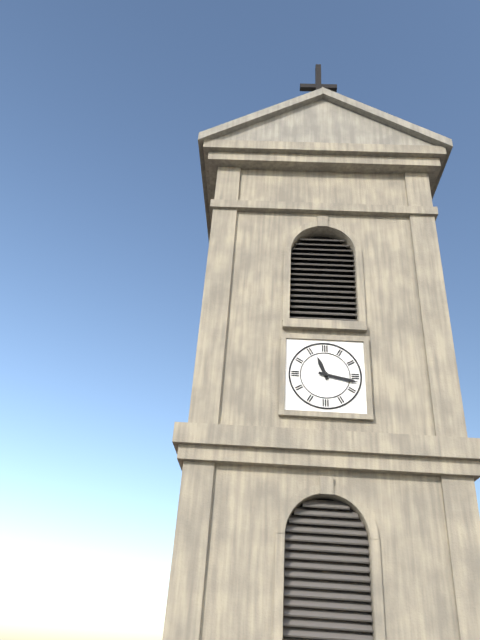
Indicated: **11:17**
